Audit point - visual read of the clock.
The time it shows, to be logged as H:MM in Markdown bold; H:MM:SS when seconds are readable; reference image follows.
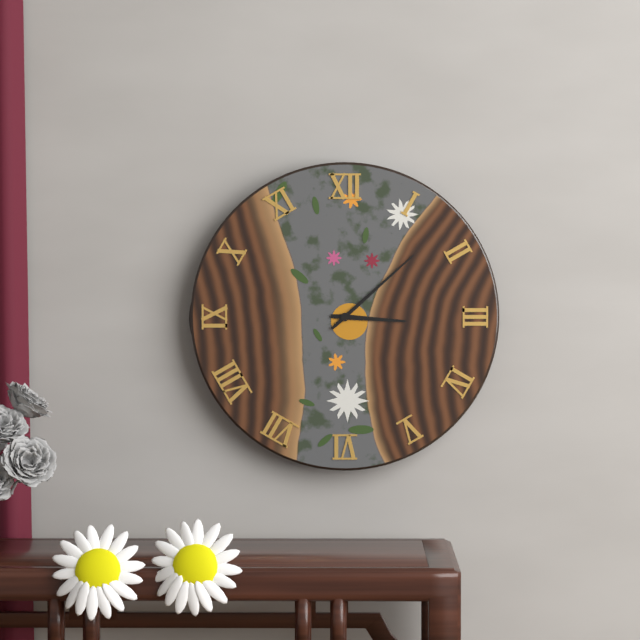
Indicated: **3:08**
